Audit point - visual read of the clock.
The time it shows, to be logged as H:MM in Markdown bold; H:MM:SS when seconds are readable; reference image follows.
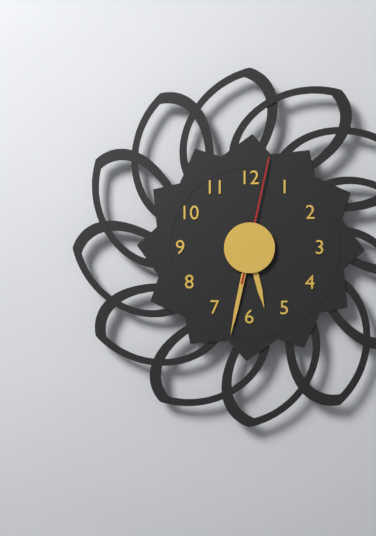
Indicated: **5:32:02**
